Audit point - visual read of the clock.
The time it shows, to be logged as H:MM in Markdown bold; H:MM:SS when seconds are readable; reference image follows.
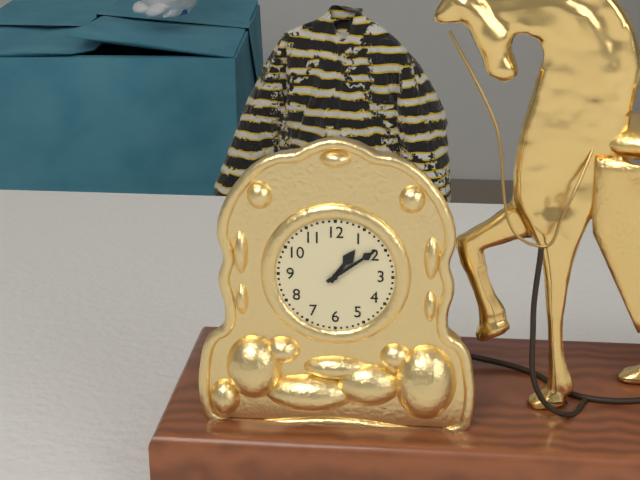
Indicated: **1:09**
